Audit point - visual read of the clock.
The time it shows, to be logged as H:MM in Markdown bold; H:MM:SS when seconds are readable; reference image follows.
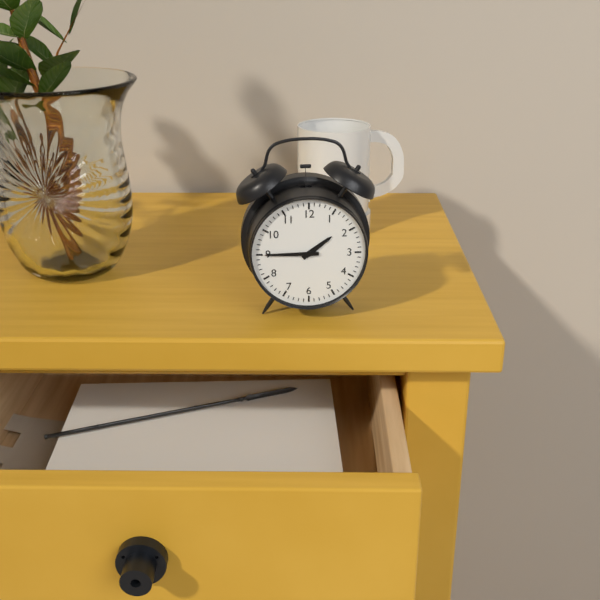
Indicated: **1:45**
